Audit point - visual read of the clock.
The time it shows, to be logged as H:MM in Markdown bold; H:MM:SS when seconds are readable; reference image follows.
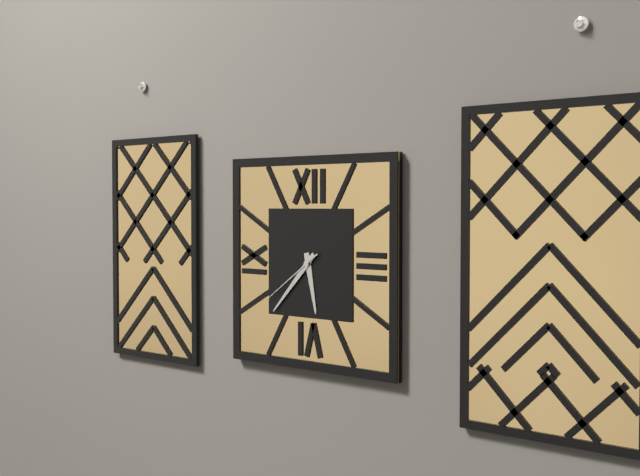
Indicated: **5:37:39**
